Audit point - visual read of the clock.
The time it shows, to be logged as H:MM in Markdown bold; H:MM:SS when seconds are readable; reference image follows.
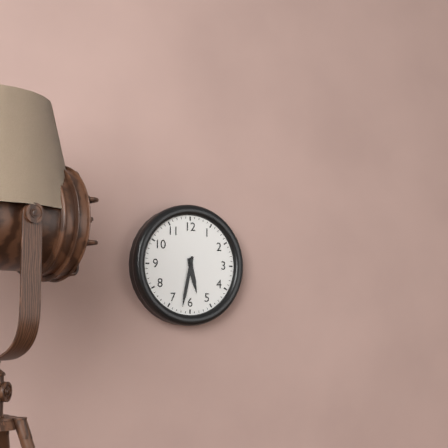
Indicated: **5:32**
